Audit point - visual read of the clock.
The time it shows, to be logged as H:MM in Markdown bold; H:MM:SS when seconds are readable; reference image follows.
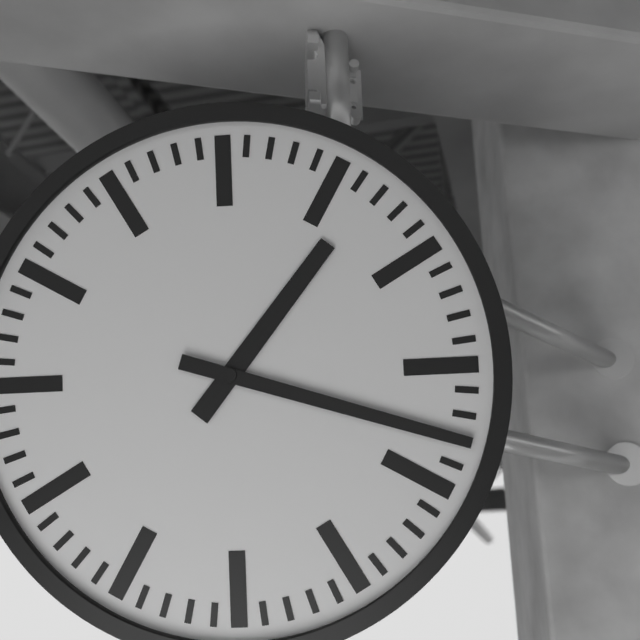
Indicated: **1:18**
